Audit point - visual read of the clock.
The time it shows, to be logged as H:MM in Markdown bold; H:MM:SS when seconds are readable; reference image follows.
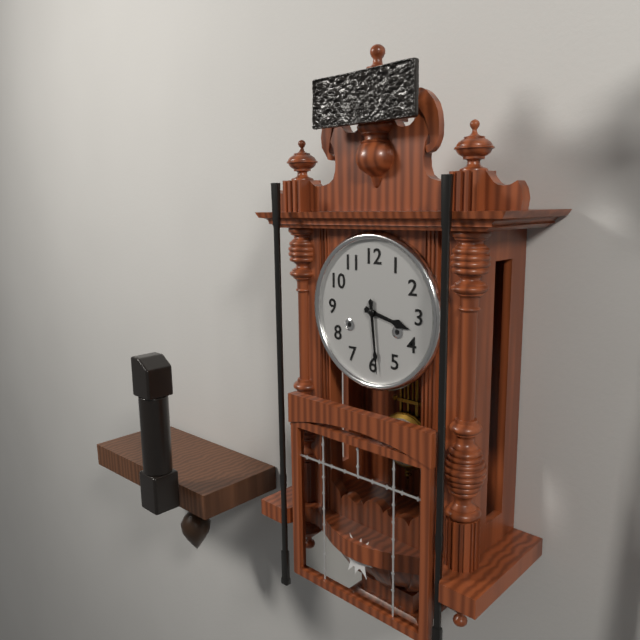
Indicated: **3:29**
